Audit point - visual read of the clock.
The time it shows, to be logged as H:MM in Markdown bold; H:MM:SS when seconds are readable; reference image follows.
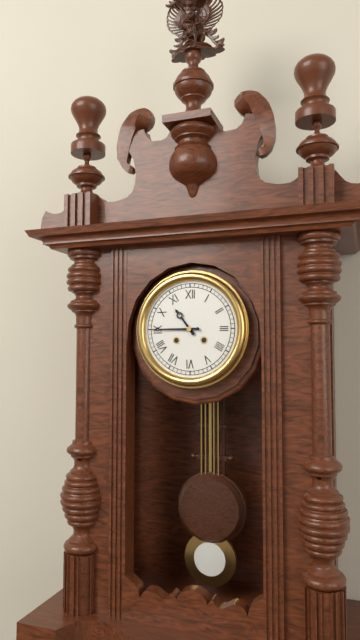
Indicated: **10:45**
